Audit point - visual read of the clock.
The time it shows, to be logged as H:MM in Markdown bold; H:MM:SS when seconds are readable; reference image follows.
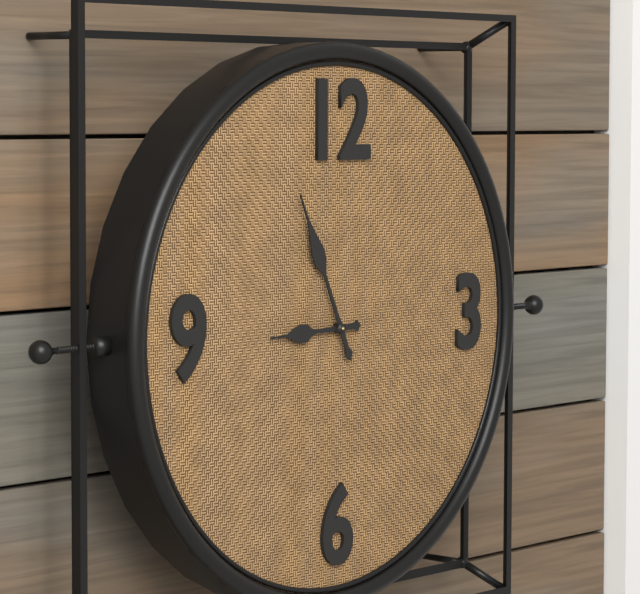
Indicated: **8:56**
